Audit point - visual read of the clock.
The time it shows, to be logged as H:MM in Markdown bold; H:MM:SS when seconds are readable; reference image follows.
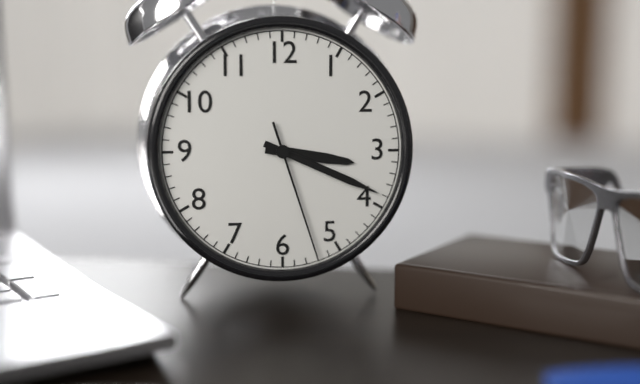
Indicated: **3:19:27**
